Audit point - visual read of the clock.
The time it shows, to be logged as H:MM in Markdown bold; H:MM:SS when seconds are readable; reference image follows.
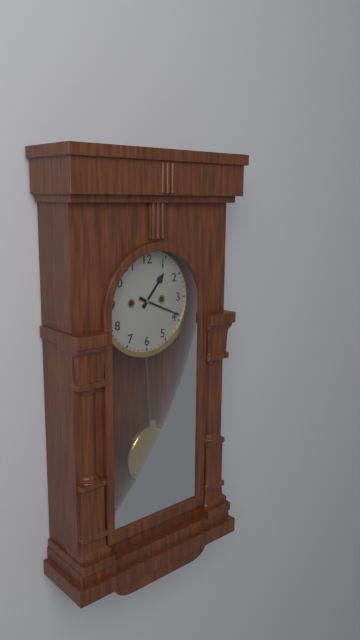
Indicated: **1:19**
